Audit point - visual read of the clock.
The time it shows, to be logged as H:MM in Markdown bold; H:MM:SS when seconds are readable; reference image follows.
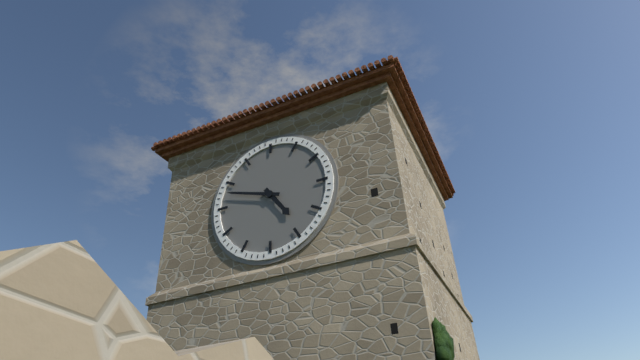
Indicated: **4:48**
